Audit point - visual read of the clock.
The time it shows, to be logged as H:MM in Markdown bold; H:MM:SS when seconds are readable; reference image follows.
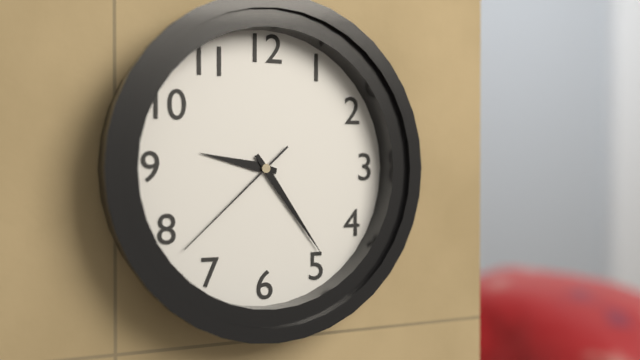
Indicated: **9:24:38**
